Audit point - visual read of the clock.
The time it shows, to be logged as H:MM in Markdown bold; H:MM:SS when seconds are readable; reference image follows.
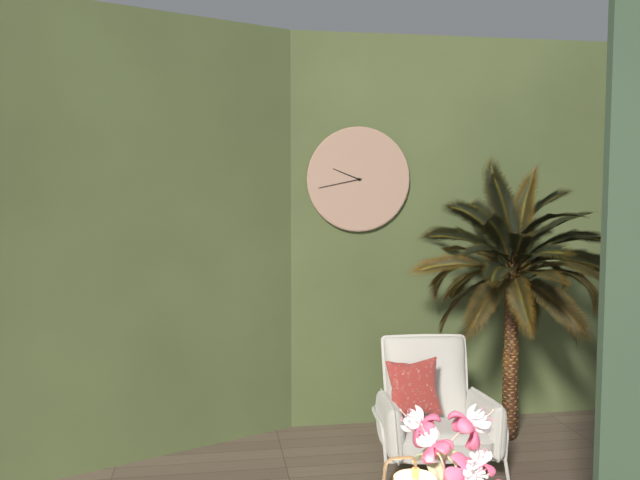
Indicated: **9:43**
